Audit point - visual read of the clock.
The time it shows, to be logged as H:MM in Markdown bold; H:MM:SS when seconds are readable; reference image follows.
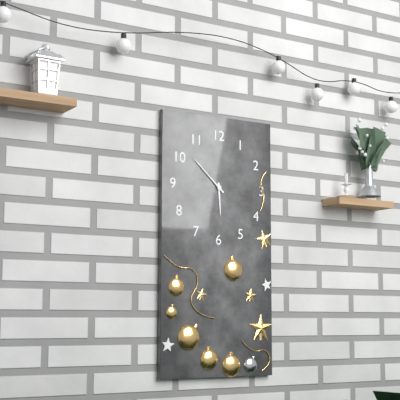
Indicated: **5:52**
